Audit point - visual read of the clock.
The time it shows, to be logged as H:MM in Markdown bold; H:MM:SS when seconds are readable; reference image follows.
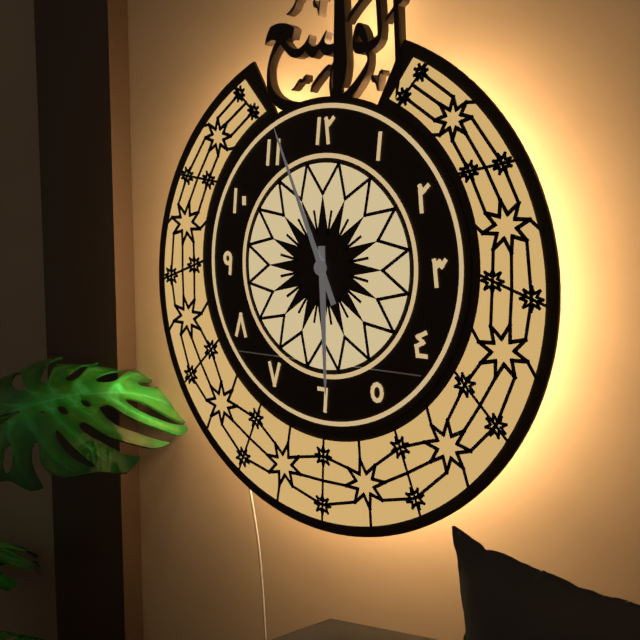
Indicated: **5:56**
